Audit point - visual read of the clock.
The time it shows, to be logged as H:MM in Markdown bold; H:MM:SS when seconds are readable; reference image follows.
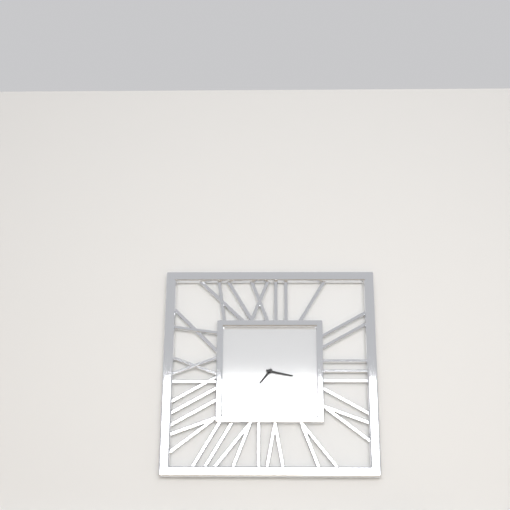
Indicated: **7:17**
